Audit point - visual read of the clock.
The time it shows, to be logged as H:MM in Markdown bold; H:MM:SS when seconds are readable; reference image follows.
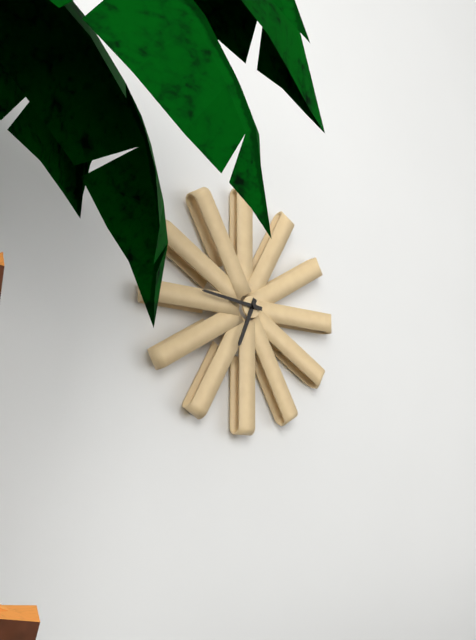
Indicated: **6:46**
